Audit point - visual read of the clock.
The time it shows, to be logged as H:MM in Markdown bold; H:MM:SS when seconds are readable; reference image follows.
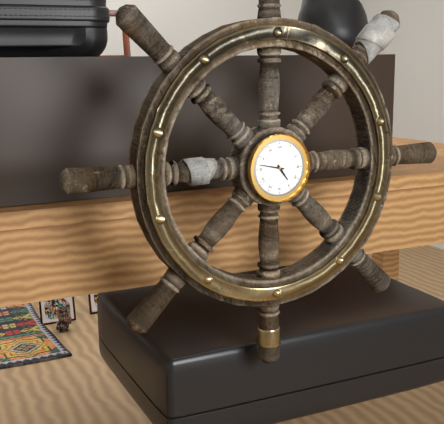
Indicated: **4:47**
